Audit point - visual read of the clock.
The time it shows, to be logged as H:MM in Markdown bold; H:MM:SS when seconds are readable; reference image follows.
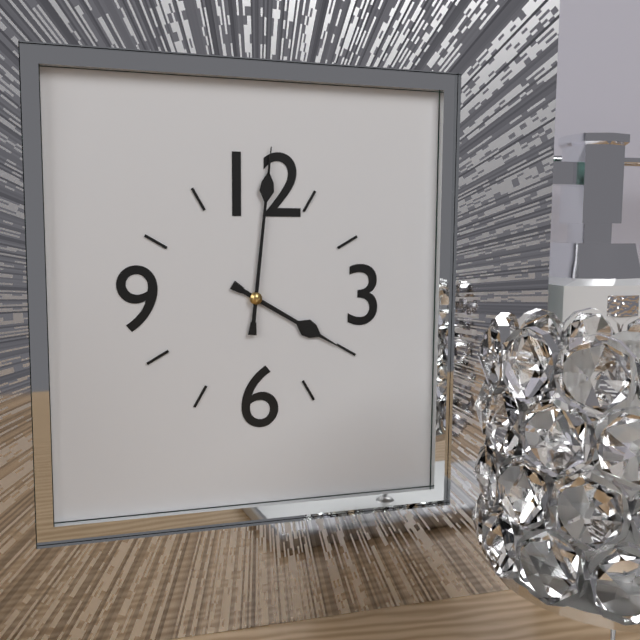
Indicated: **4:01**
